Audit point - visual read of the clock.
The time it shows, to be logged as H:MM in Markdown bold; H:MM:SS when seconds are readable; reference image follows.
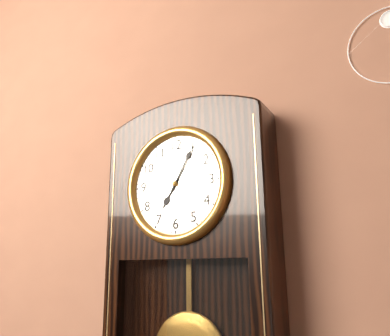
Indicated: **7:05**
